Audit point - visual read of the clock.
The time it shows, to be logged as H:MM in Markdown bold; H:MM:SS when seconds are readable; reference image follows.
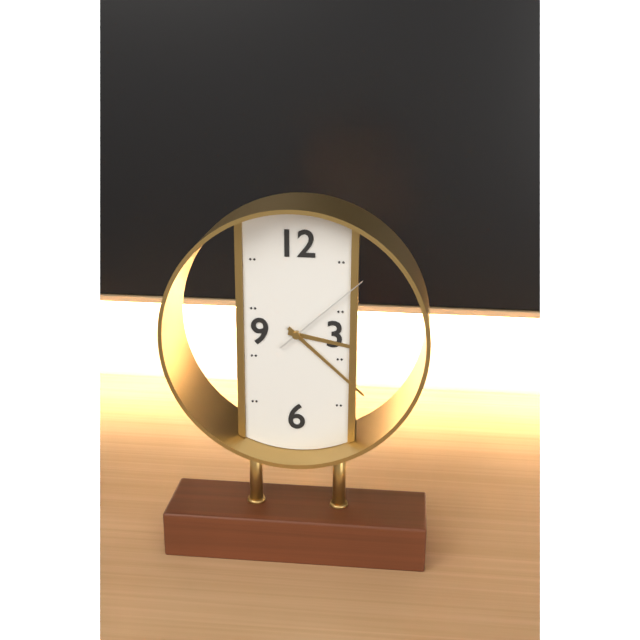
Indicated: **3:22:08**
